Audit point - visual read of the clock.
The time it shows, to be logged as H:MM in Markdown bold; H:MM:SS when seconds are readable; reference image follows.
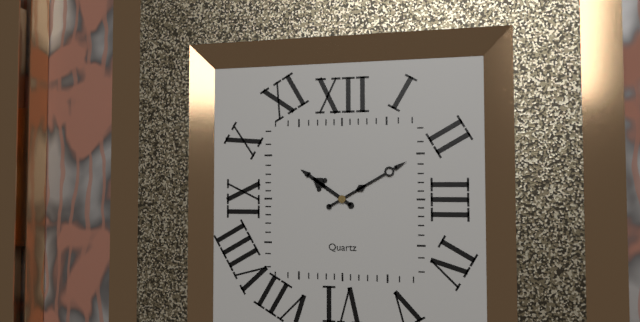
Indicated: **10:10**
